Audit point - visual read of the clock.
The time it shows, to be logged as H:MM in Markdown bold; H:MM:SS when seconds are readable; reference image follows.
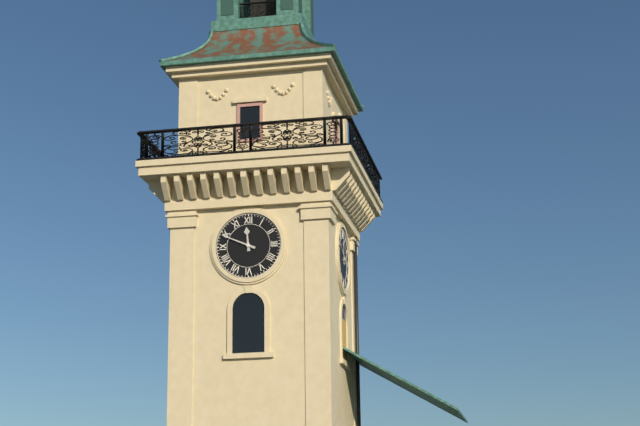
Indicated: **11:49**
